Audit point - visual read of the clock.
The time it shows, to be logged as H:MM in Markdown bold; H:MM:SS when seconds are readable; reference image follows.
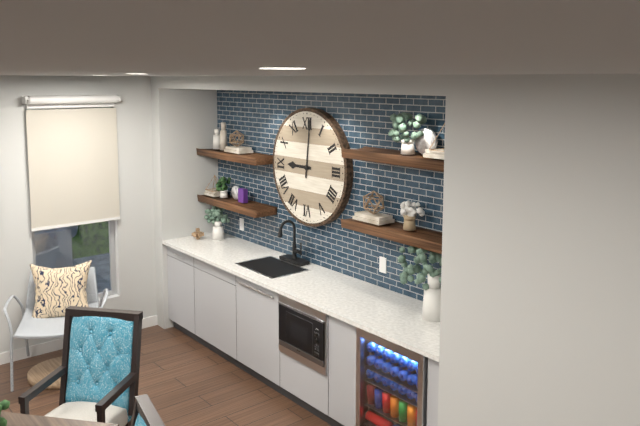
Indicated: **9:01**
